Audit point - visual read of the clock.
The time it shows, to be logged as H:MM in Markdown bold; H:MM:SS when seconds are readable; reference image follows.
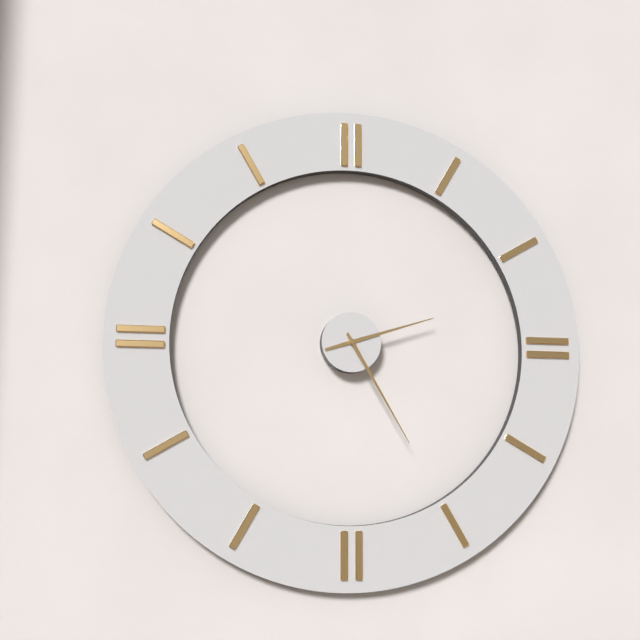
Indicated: **2:25**
